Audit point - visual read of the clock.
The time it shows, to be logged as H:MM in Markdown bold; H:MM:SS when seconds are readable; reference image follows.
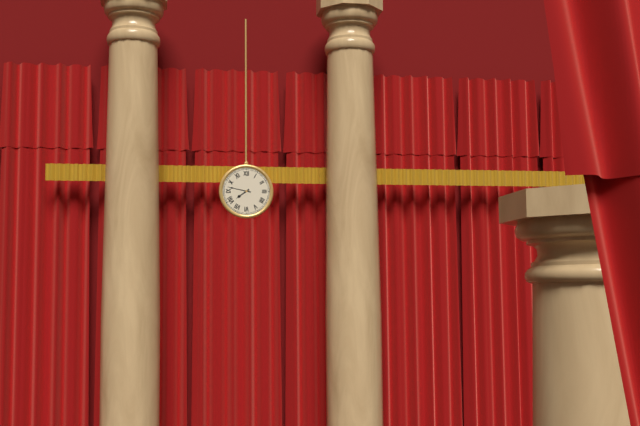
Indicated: **7:47**
